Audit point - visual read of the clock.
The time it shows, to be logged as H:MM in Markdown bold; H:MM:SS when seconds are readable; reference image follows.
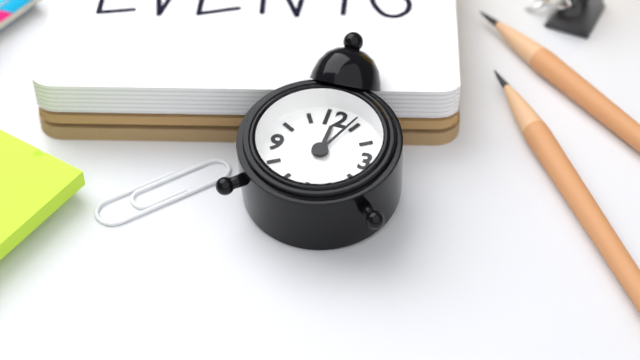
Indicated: **12:04**
